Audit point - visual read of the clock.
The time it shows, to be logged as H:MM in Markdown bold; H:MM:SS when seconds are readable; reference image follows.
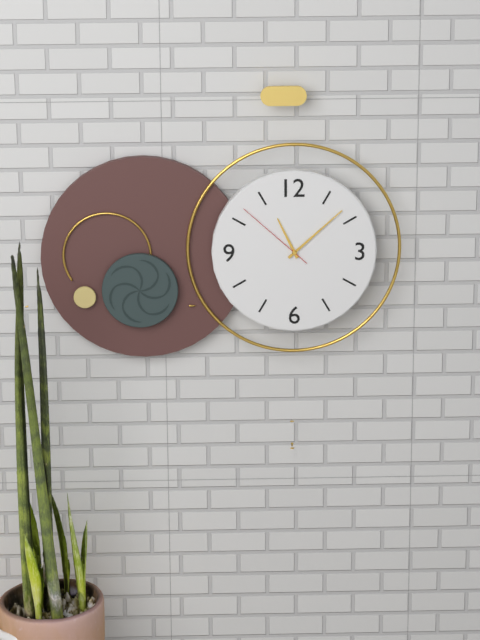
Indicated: **11:08:52**
